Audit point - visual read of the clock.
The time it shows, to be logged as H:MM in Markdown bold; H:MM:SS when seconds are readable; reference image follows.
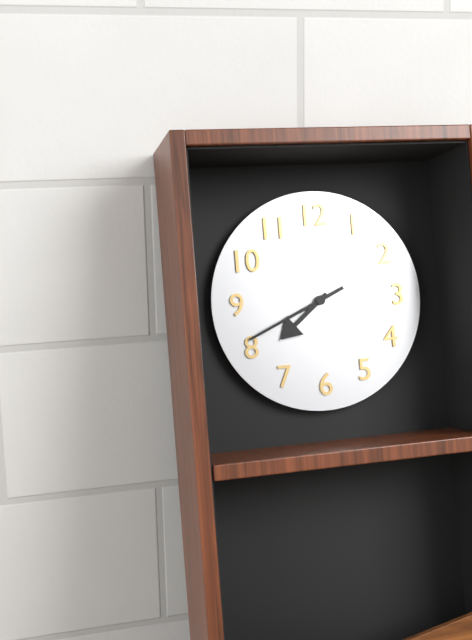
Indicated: **7:41**
